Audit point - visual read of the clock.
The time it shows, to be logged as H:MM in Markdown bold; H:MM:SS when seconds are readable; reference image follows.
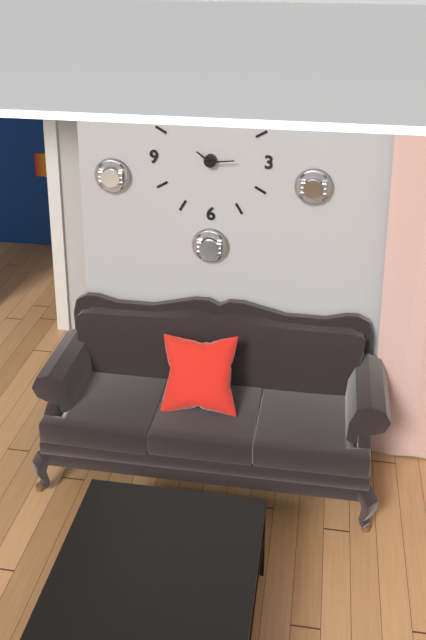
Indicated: **10:14**
